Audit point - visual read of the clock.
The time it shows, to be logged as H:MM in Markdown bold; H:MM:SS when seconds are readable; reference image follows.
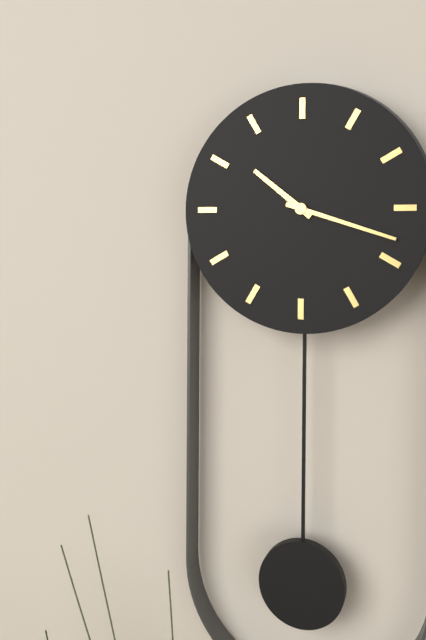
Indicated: **10:18**
